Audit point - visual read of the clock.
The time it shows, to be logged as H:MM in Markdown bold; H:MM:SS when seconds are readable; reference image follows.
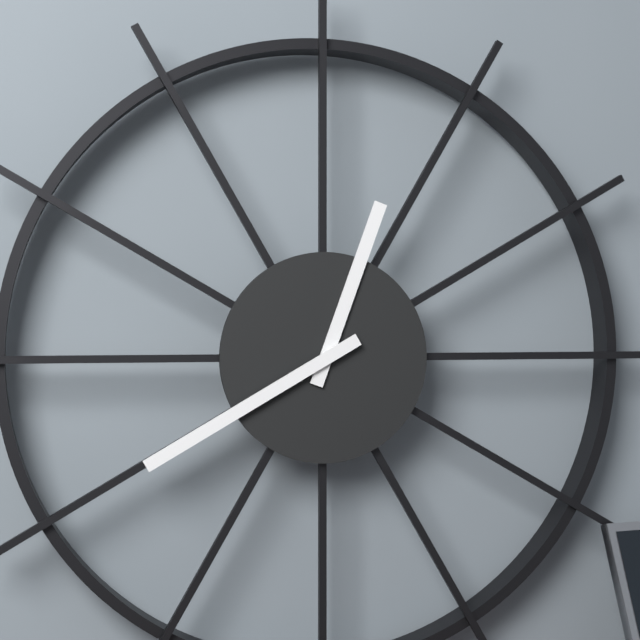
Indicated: **12:40**
